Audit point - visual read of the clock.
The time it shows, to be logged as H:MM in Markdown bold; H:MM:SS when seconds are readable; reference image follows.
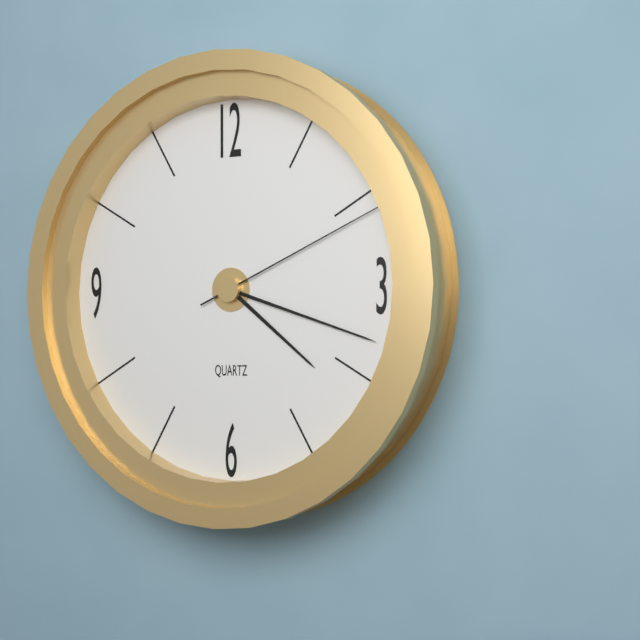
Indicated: **4:18:11**
